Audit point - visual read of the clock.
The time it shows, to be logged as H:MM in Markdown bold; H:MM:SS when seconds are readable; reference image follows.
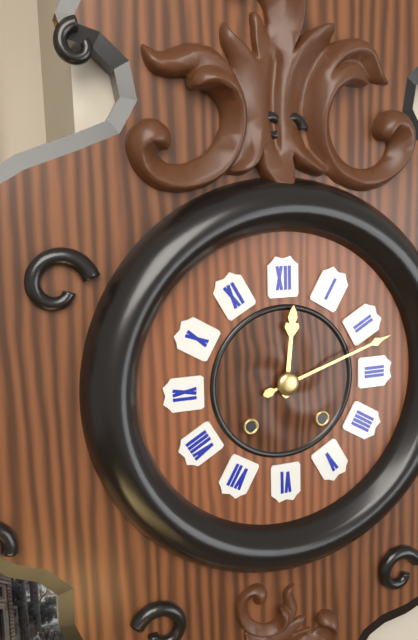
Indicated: **12:12**
